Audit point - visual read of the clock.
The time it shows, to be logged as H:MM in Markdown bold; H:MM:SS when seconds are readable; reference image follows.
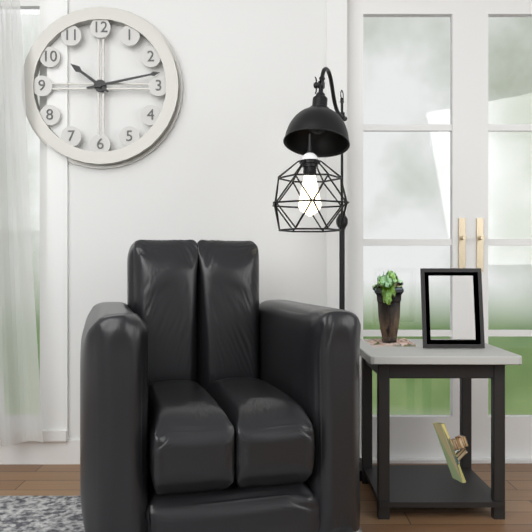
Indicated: **10:13**
